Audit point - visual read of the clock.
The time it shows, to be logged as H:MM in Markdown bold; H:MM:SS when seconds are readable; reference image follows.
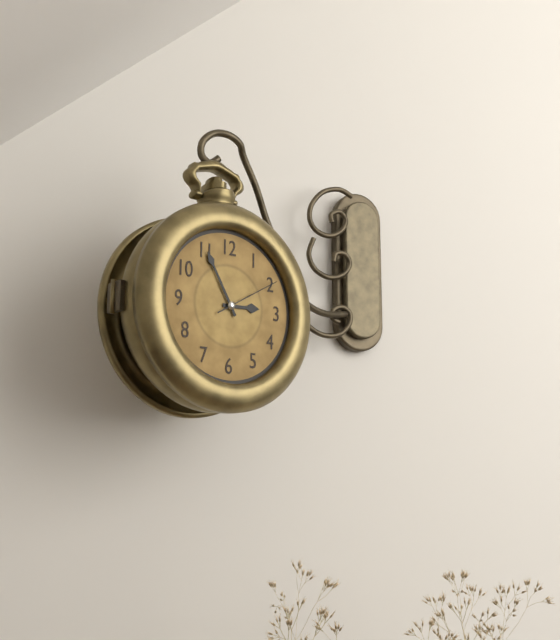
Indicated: **2:55:10**
